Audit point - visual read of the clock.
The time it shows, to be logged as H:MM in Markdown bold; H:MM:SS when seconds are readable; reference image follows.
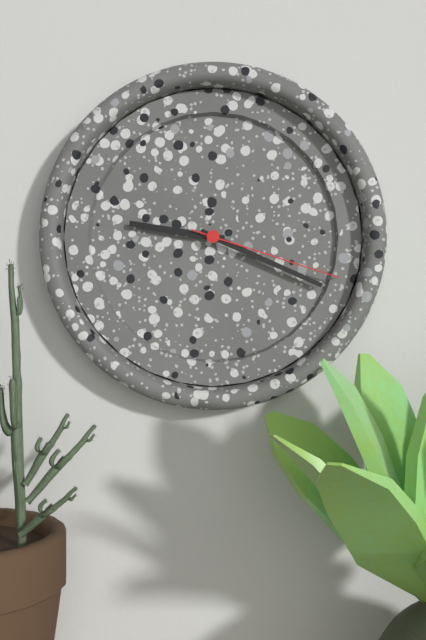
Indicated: **9:19:18**
